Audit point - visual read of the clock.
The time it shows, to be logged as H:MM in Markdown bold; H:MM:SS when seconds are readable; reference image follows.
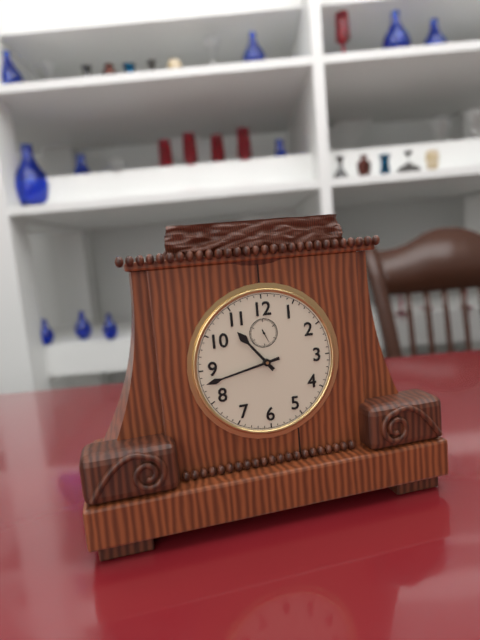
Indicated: **10:43**
